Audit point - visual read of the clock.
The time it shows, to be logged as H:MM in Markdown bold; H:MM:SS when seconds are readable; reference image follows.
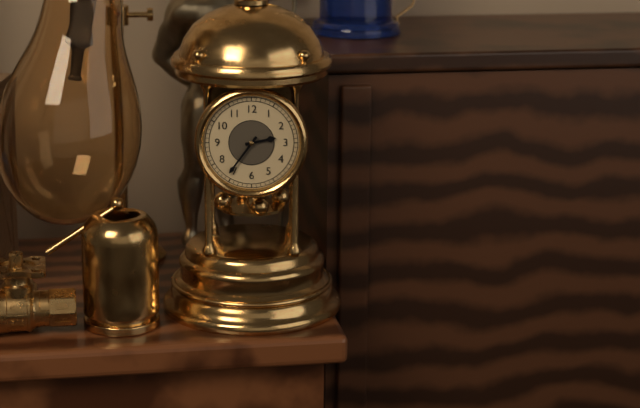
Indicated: **2:36**
